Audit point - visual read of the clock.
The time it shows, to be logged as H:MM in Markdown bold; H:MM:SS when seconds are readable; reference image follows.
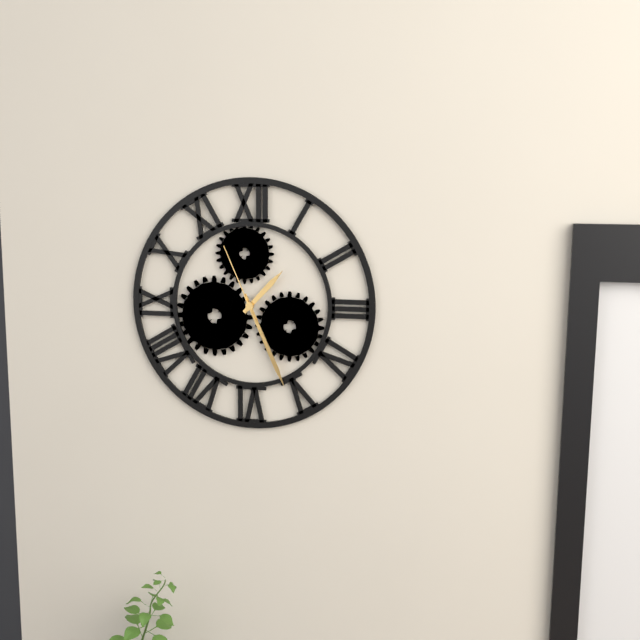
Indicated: **1:26:56**
